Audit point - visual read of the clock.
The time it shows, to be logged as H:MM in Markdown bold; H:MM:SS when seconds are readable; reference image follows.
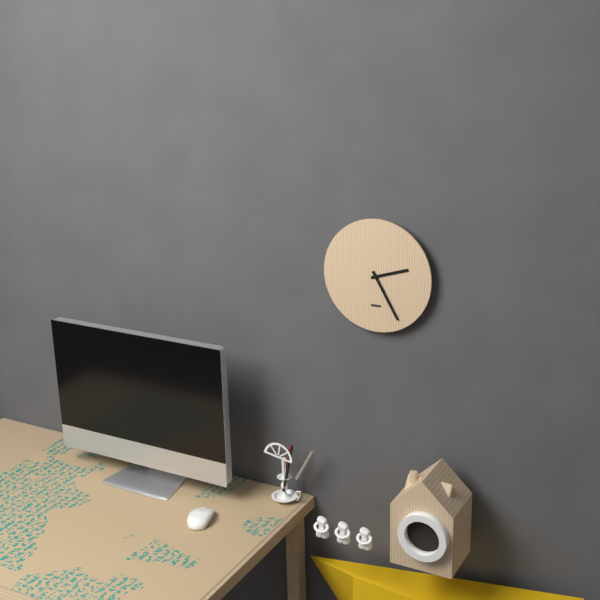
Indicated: **2:25**
